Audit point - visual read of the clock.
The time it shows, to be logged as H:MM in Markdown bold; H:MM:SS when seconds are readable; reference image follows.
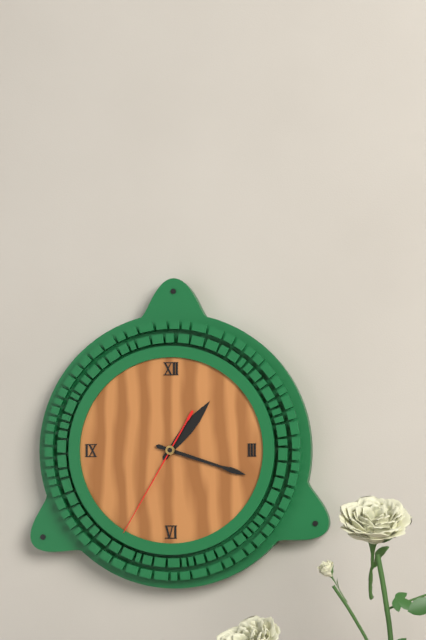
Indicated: **1:18:35**
